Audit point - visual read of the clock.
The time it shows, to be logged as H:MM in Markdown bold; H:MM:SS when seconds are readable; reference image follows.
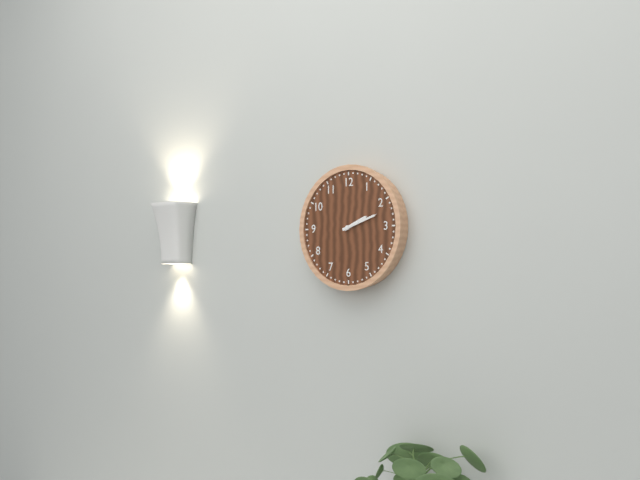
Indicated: **2:12**
